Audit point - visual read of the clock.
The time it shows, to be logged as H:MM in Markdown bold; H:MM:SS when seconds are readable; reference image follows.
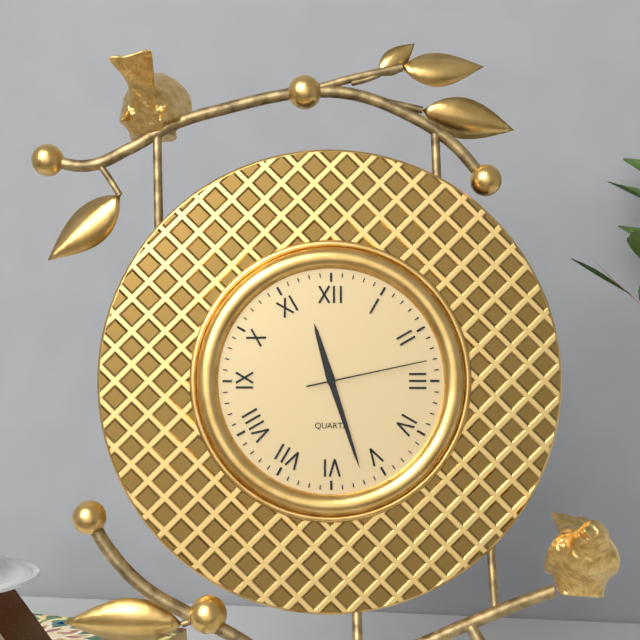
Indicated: **11:27:13**
